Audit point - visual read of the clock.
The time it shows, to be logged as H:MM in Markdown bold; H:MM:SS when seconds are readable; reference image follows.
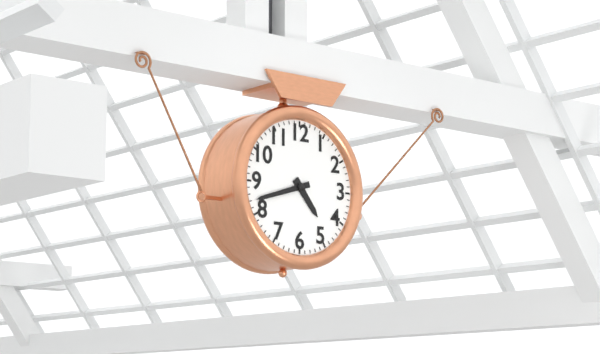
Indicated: **4:42**
